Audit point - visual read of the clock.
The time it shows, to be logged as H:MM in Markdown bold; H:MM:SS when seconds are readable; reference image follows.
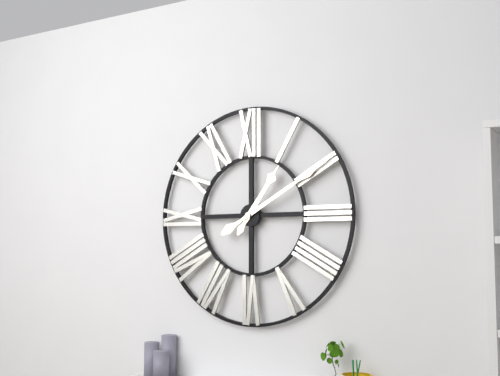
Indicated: **1:10**
